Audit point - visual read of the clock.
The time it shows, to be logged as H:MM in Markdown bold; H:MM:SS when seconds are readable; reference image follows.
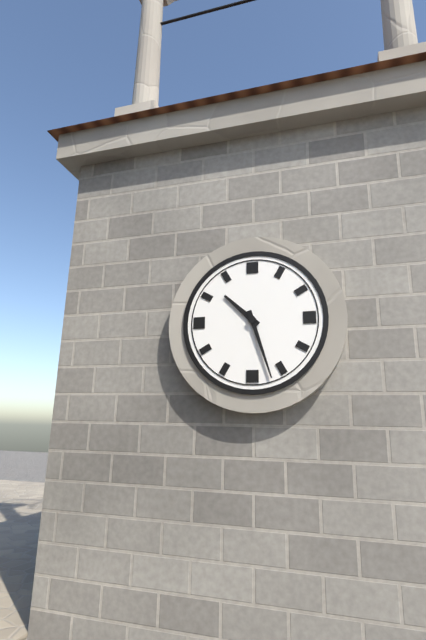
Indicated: **10:27**
